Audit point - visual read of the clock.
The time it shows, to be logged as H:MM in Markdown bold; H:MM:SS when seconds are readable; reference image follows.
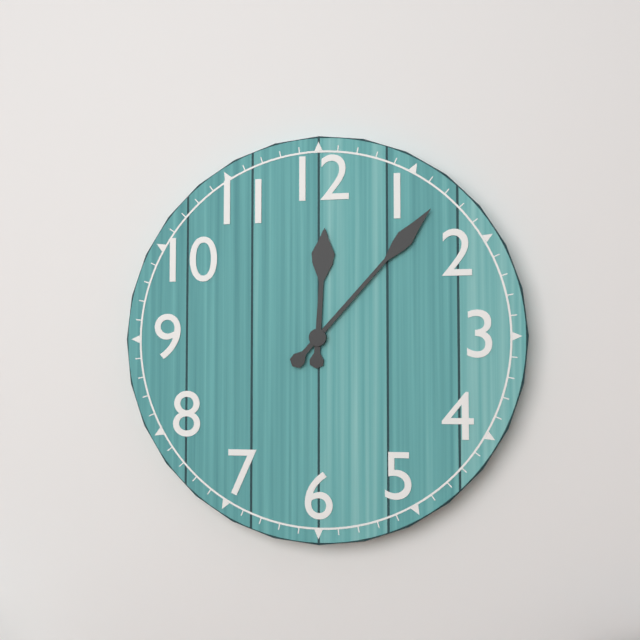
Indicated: **12:07**
